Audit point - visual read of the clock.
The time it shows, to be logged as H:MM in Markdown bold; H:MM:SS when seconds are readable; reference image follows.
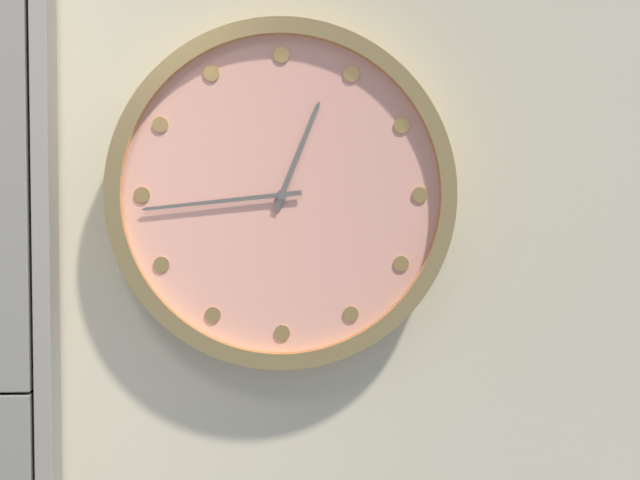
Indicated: **12:44**
